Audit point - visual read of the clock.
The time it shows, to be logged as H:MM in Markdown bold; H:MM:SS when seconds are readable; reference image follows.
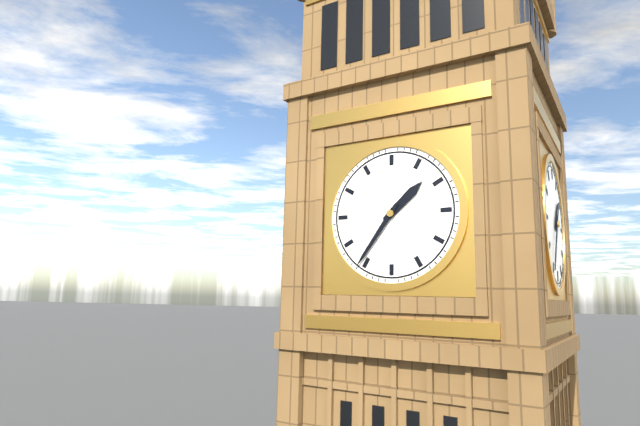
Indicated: **1:36**
